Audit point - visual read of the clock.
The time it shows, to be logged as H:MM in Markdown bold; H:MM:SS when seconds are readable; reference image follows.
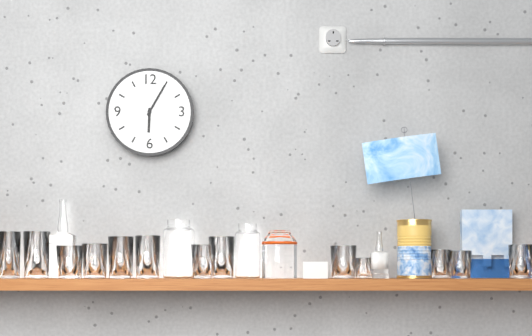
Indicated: **6:05**
